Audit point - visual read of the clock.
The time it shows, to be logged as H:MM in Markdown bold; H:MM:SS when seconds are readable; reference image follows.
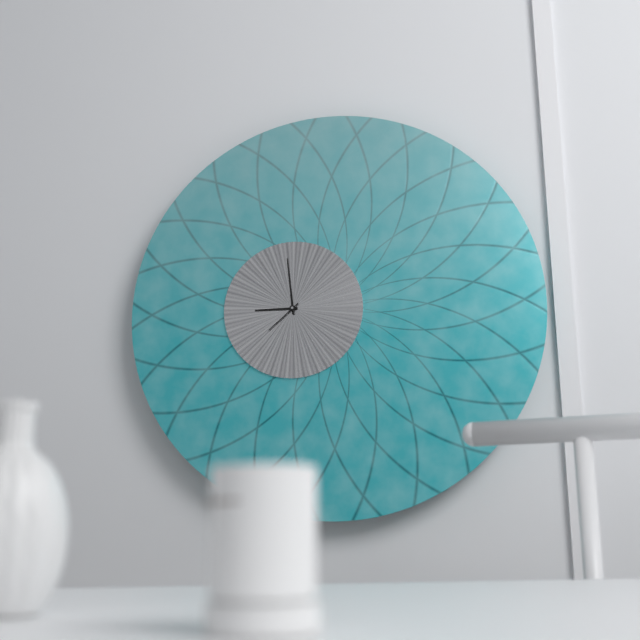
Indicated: **8:59**
